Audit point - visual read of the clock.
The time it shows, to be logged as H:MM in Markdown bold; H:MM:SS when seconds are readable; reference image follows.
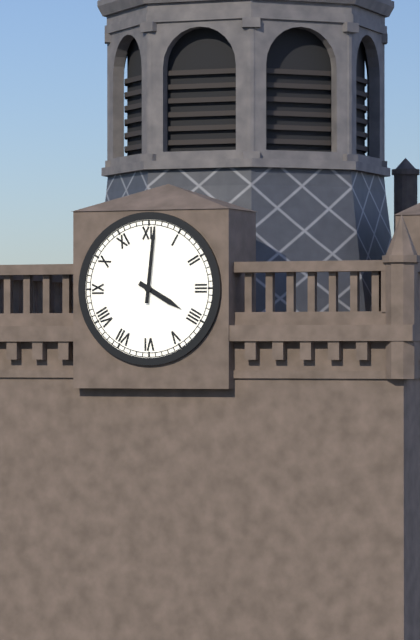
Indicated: **4:01**
